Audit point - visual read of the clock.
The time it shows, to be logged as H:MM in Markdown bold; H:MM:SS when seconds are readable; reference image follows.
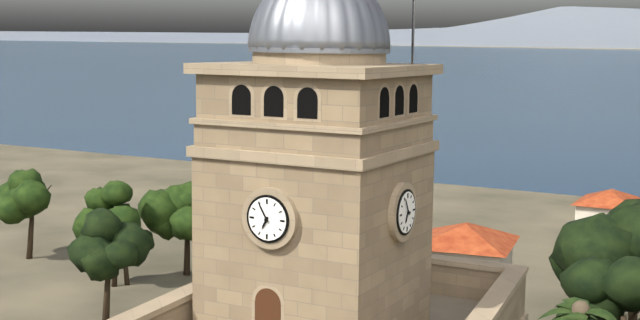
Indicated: **6:55**
